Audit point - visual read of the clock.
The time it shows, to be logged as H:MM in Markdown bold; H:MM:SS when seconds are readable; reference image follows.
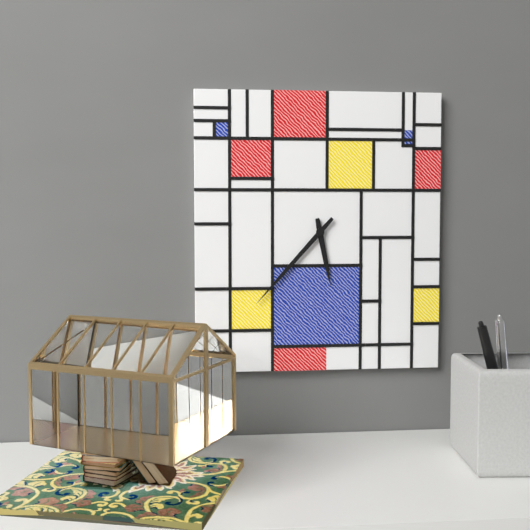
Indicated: **5:37**
